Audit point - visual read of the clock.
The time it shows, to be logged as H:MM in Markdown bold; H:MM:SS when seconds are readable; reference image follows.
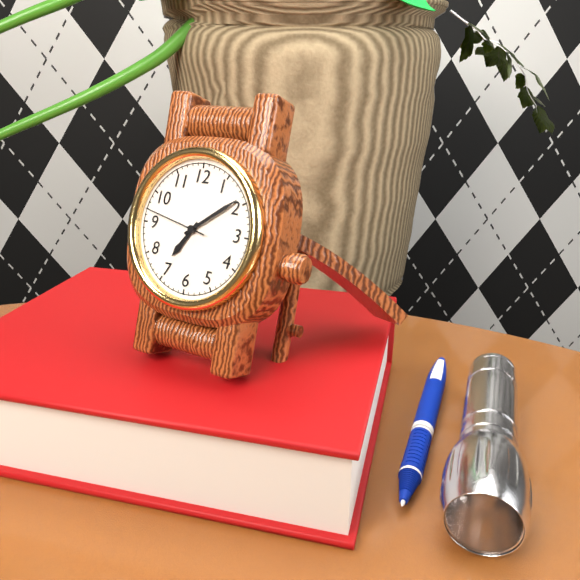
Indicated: **7:09:47**
